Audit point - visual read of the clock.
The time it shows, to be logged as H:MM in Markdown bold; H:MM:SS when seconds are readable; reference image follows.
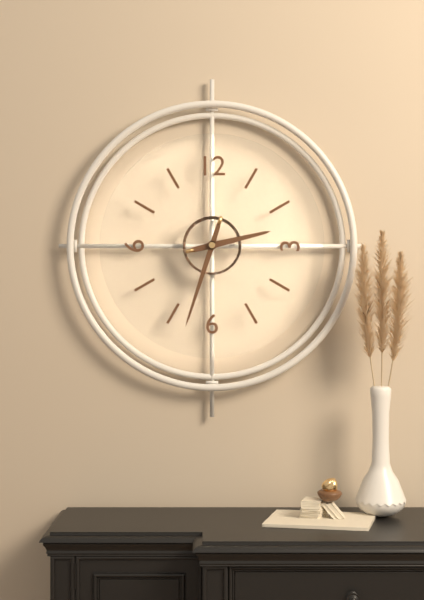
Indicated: **2:33**
